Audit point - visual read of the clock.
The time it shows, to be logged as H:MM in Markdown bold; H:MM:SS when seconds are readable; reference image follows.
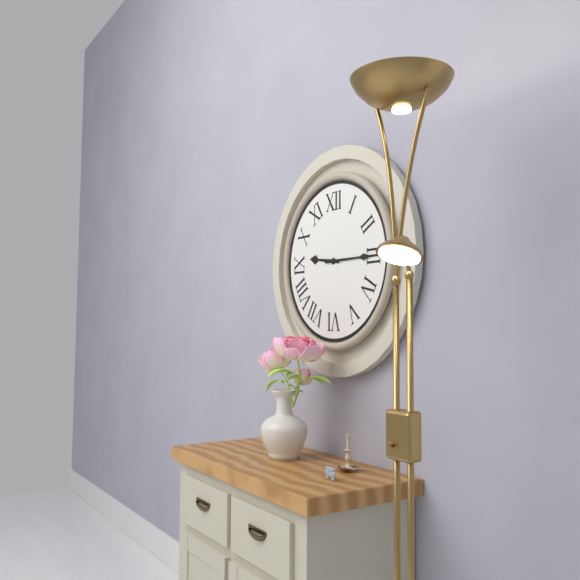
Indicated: **9:15**
